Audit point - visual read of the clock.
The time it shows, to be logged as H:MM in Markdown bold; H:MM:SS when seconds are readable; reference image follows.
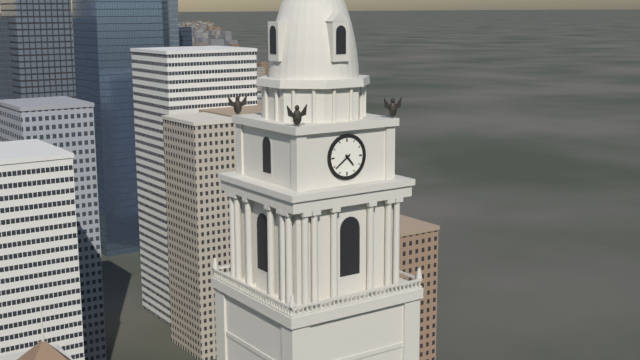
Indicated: **4:39**
